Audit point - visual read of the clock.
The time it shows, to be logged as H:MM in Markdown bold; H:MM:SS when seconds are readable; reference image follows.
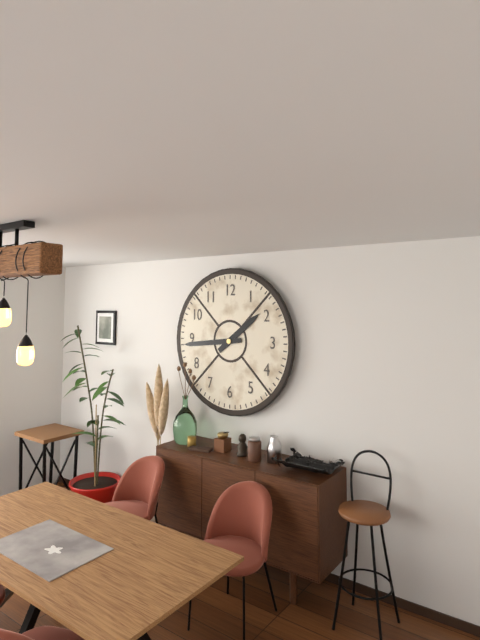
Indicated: **1:44**
